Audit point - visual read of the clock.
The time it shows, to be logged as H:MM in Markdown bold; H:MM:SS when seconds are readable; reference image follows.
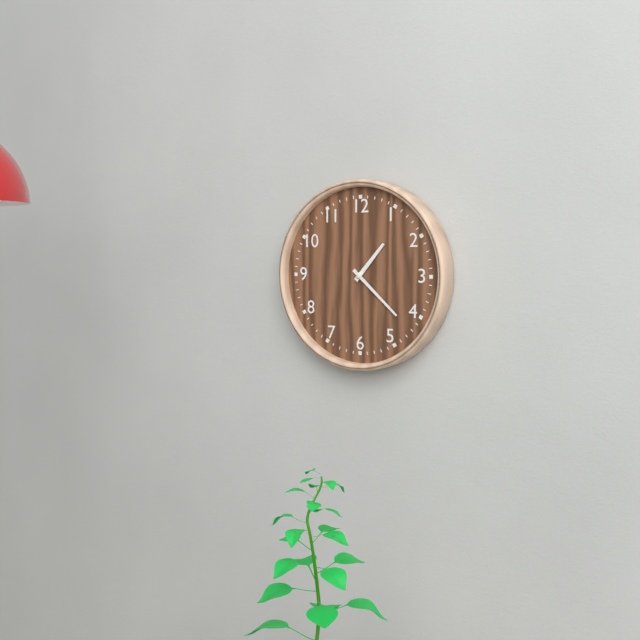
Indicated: **1:22**
